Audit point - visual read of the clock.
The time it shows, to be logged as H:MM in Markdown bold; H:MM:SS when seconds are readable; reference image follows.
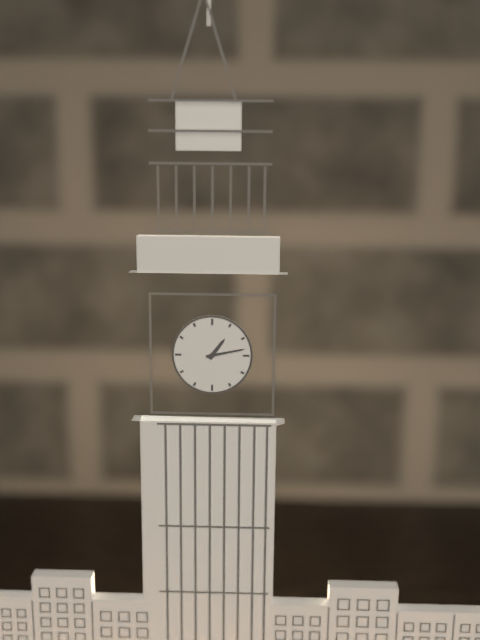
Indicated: **1:13**
